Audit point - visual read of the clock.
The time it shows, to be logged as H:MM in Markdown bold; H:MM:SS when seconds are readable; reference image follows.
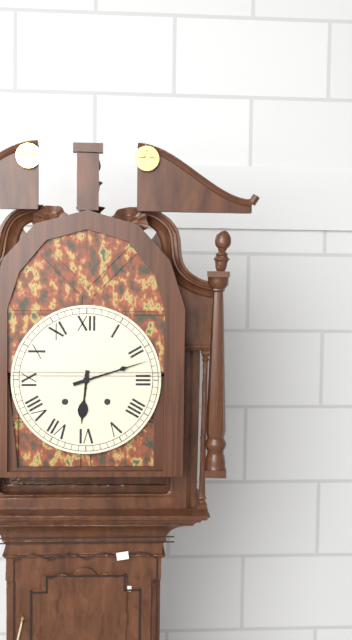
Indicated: **6:12**
